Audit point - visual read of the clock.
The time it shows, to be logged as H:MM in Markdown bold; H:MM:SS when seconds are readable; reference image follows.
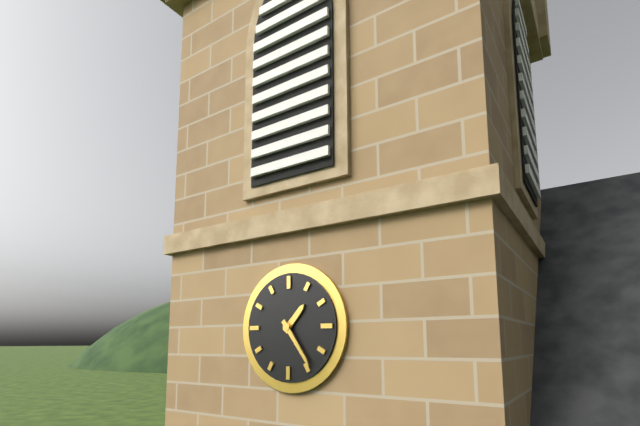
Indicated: **1:24**
